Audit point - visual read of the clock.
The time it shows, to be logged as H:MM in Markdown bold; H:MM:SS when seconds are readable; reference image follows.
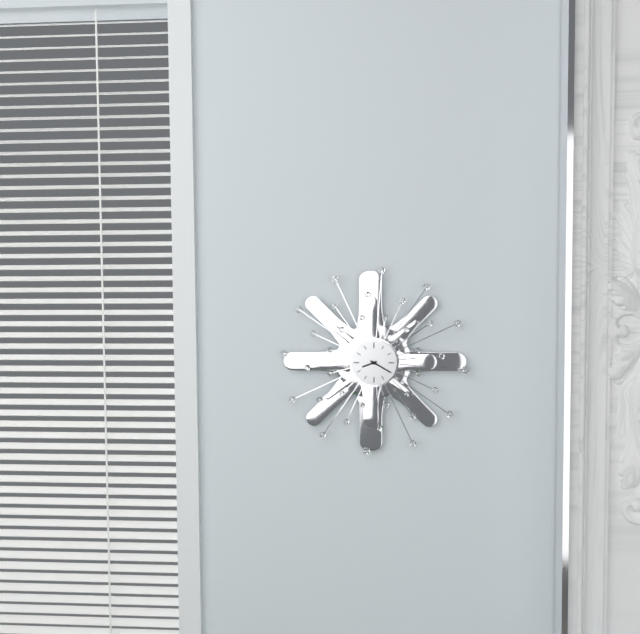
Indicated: **8:20**
